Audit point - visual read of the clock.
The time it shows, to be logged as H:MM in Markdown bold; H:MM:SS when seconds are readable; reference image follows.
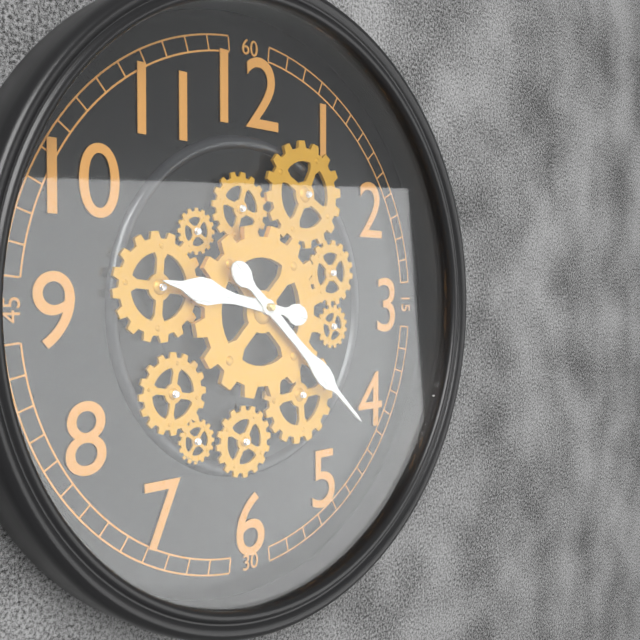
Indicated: **9:22**
